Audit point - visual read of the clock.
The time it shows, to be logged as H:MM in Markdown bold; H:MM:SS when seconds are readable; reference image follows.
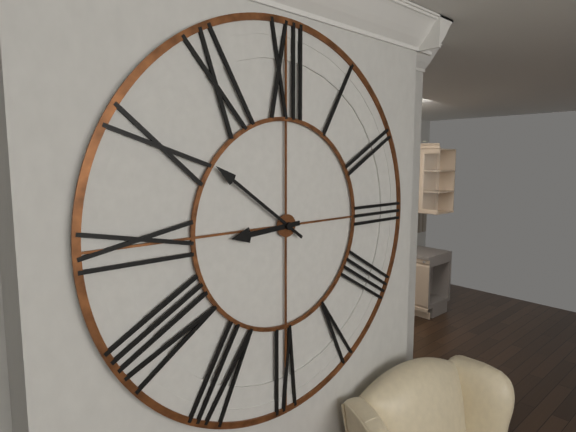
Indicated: **8:51**
